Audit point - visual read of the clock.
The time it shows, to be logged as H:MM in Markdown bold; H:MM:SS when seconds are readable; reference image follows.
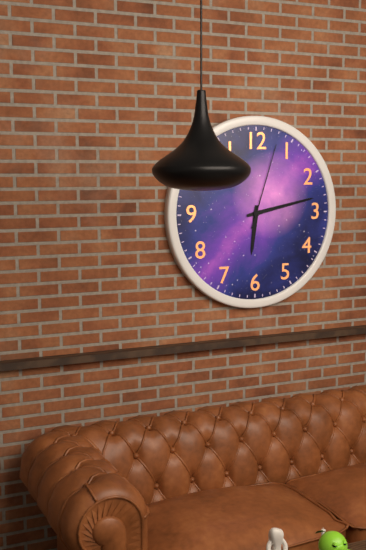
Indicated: **6:13:03**
